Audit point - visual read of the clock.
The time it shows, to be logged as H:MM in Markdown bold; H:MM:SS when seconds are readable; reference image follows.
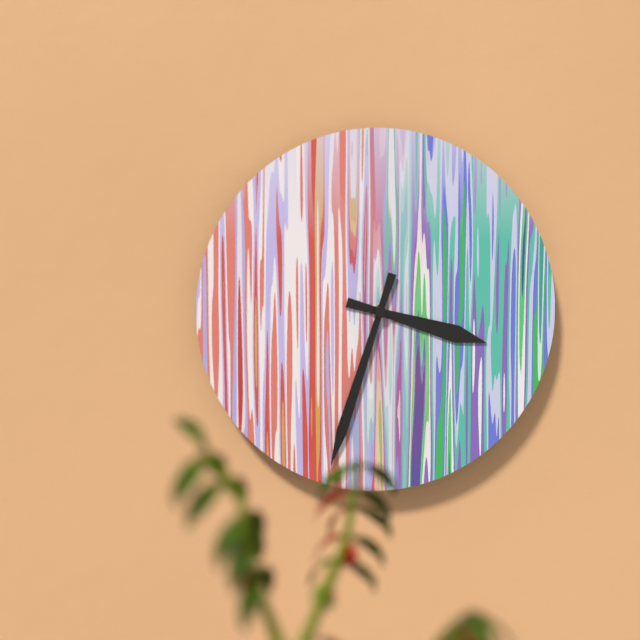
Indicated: **3:33**
